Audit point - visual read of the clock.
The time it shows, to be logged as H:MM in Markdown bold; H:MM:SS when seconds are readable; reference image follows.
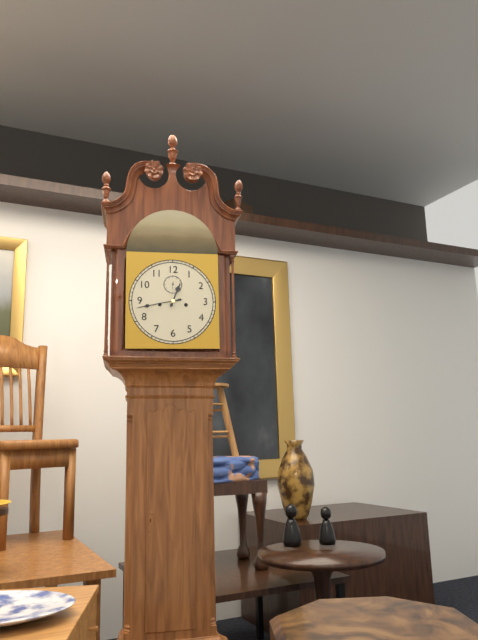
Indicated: **12:43**
